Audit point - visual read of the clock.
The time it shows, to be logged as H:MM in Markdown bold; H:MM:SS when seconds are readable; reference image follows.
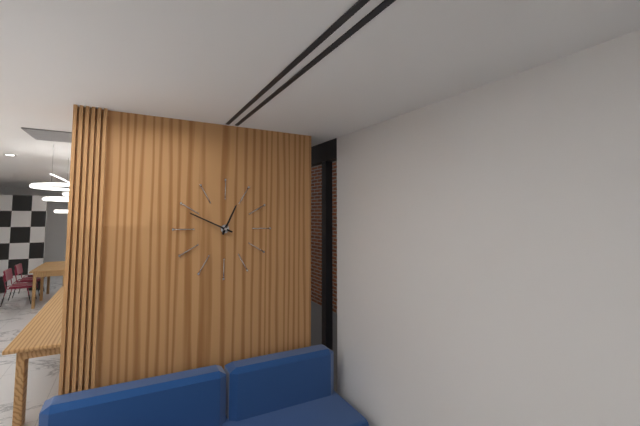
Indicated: **12:49**
